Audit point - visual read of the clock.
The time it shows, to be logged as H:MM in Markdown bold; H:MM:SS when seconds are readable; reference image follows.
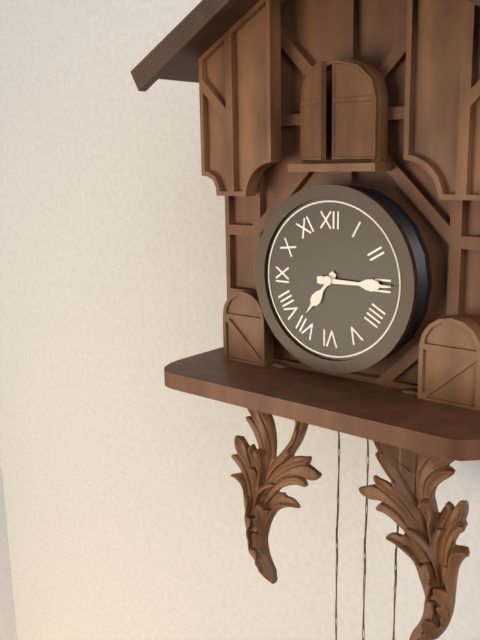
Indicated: **7:15**
